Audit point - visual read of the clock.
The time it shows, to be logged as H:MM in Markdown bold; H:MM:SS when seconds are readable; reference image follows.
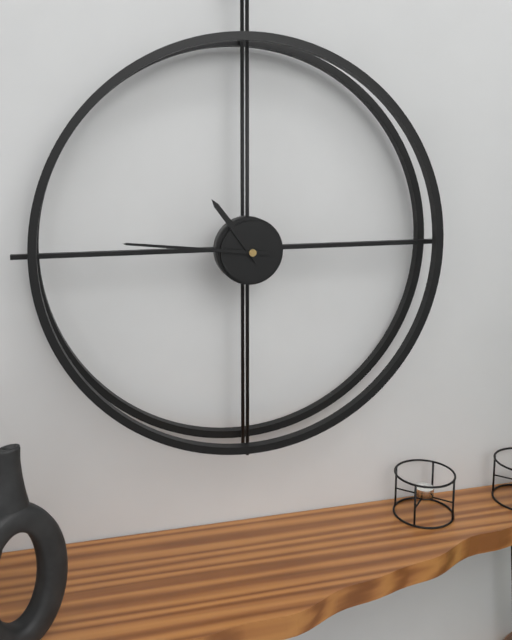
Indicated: **10:46**
